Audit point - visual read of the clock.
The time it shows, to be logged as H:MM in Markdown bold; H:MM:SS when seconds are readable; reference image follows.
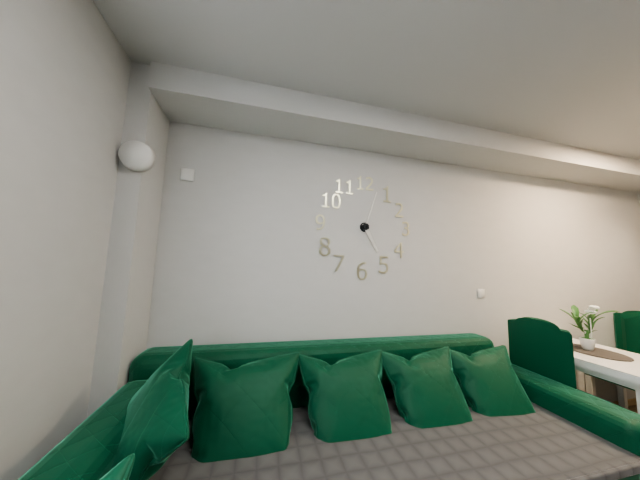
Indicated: **5:03**
